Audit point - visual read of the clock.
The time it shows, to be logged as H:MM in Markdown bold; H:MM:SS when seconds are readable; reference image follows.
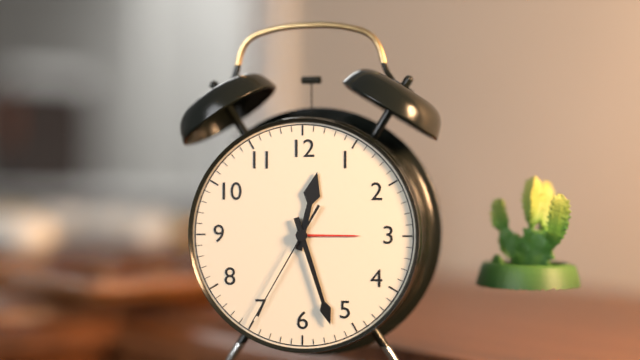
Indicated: **12:27:35**
